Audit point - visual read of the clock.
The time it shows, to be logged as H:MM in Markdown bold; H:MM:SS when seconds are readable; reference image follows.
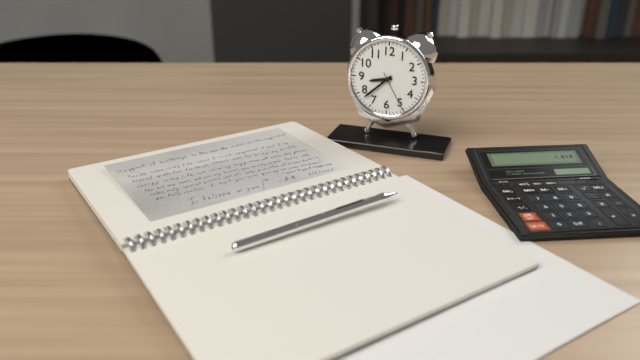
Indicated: **8:38**
